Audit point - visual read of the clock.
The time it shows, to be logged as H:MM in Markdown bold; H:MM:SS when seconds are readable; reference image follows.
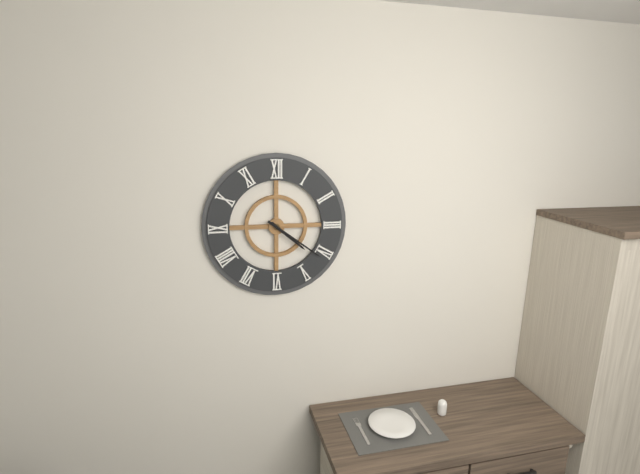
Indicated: **4:21**
